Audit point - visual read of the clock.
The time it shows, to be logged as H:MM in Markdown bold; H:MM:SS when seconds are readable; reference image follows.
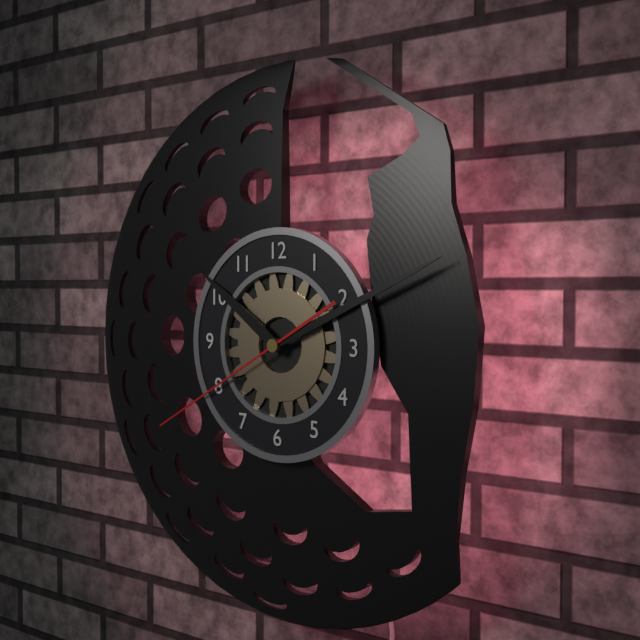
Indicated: **10:11:40**
